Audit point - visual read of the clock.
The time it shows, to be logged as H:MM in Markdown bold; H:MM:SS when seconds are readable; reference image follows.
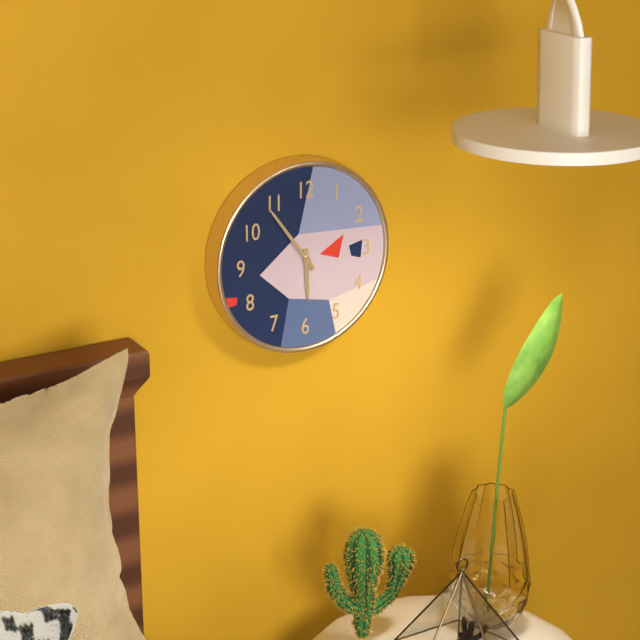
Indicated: **5:54**
